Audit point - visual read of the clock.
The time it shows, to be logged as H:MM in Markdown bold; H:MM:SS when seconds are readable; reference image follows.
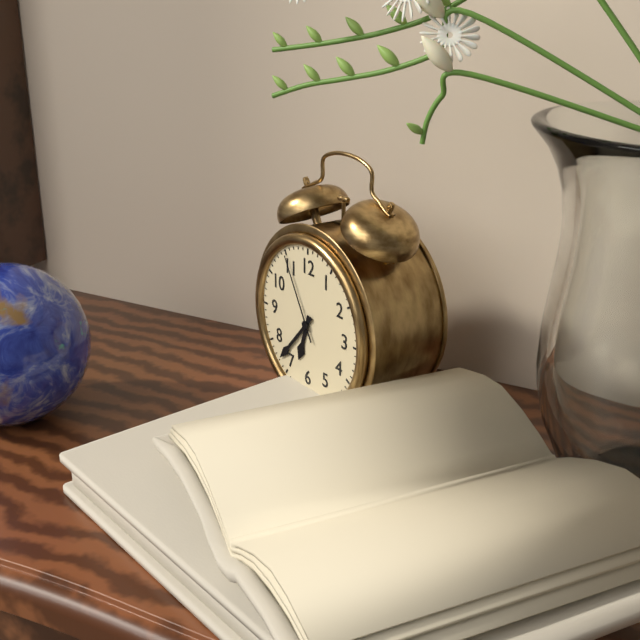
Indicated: **6:37:55**
